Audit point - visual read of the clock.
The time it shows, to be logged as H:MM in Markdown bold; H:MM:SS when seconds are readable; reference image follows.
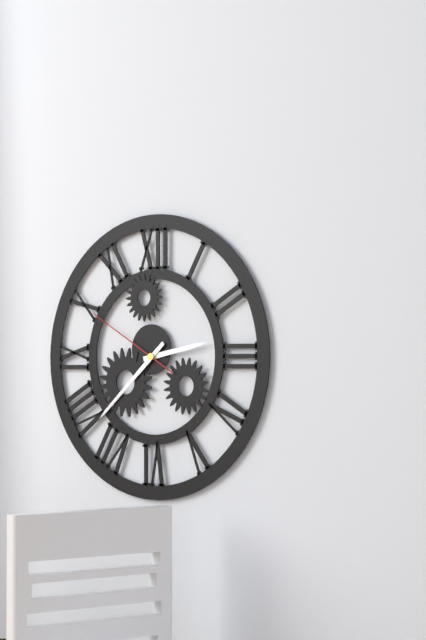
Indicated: **2:38:50**
